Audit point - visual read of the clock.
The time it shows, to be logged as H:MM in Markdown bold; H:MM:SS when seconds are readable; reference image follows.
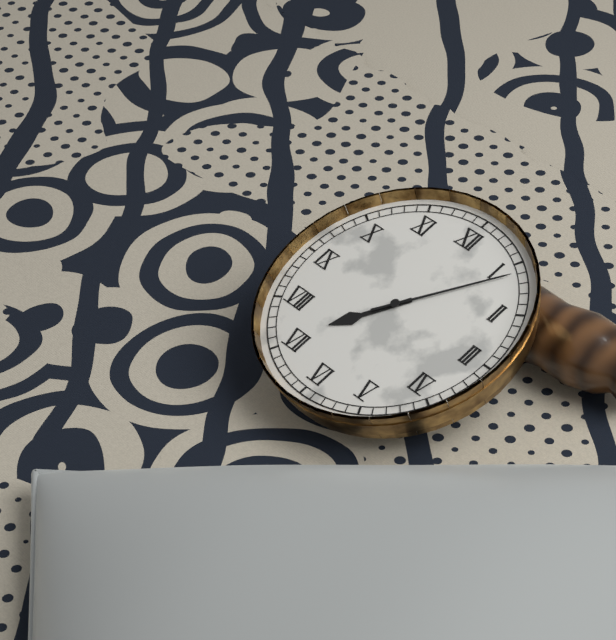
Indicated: **7:06**
